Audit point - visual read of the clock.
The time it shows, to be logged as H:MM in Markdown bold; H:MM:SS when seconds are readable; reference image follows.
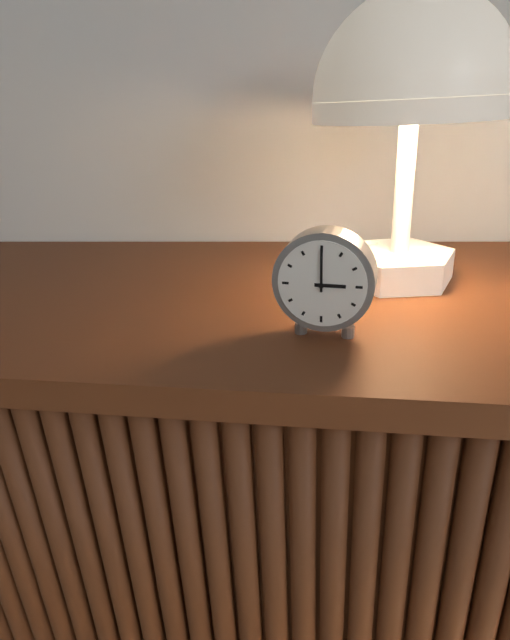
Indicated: **3:00**
